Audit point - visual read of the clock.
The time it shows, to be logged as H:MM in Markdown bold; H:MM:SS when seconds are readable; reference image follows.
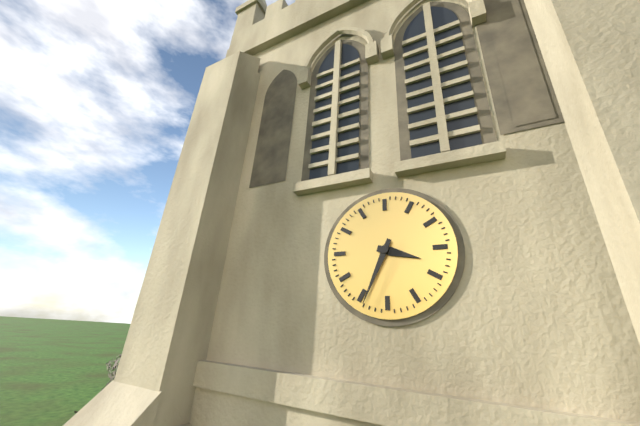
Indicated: **3:34**
